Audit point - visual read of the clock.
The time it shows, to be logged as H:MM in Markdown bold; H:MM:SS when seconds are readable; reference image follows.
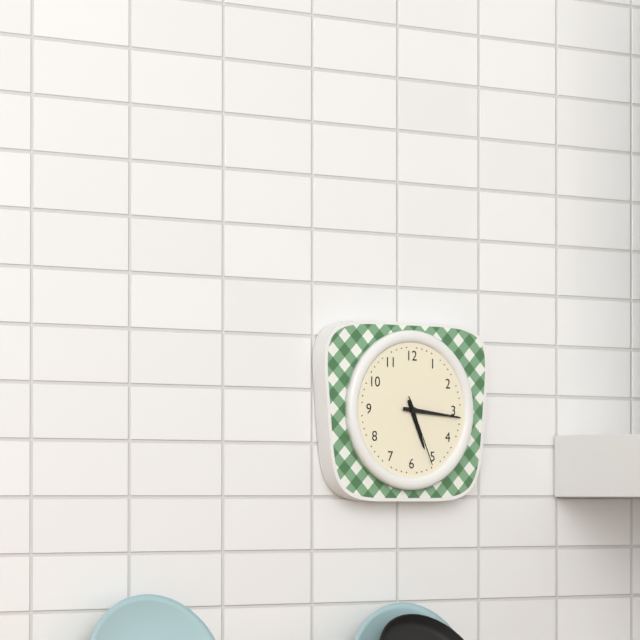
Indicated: **5:16:26**
